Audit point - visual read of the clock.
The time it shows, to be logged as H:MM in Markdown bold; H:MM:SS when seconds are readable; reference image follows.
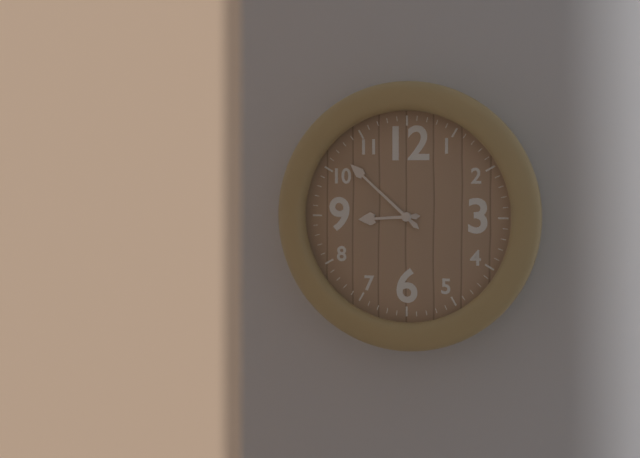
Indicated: **8:52**
